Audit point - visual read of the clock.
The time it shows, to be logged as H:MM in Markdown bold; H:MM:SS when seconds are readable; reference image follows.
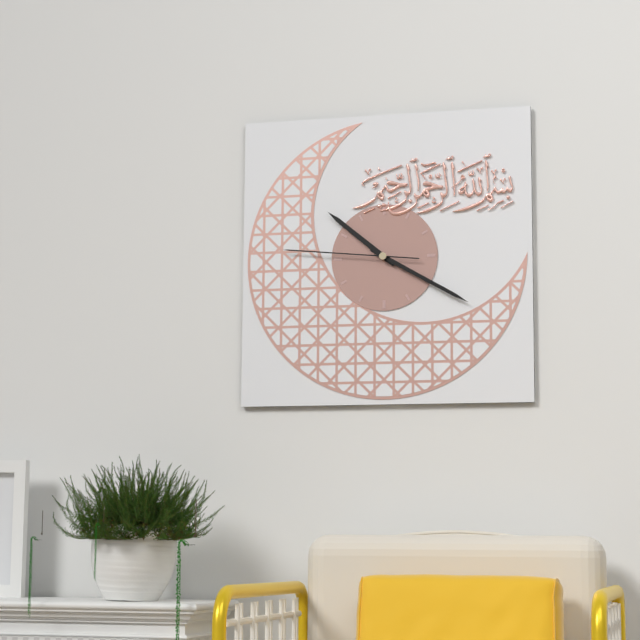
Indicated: **10:20:46**
